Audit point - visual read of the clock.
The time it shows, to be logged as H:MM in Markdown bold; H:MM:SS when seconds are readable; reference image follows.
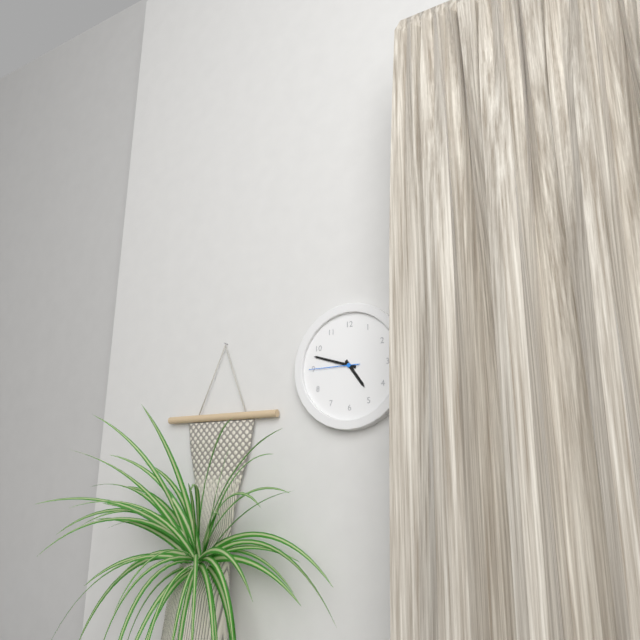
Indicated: **4:48:45**
